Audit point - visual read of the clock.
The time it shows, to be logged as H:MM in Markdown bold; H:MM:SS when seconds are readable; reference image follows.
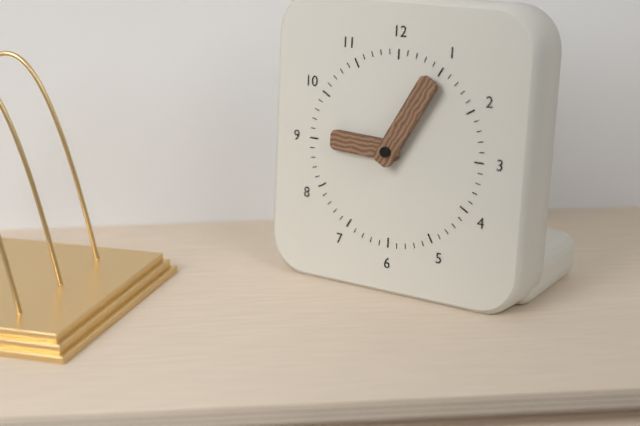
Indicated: **9:05**
